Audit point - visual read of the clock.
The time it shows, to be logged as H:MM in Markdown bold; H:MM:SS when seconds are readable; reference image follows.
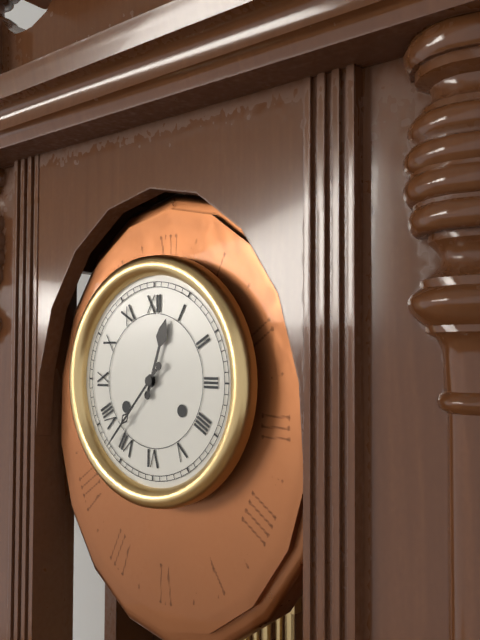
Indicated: **12:37**
